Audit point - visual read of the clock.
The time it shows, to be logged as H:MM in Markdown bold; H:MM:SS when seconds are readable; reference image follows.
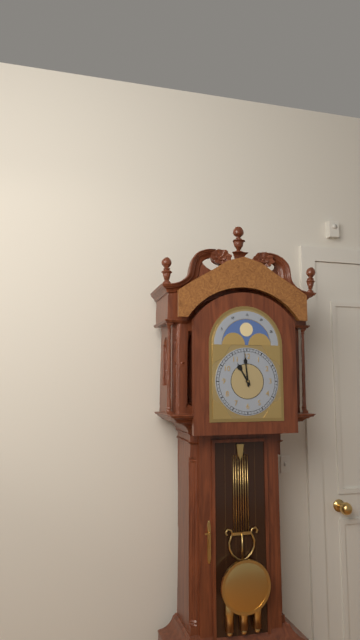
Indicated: **10:59**
